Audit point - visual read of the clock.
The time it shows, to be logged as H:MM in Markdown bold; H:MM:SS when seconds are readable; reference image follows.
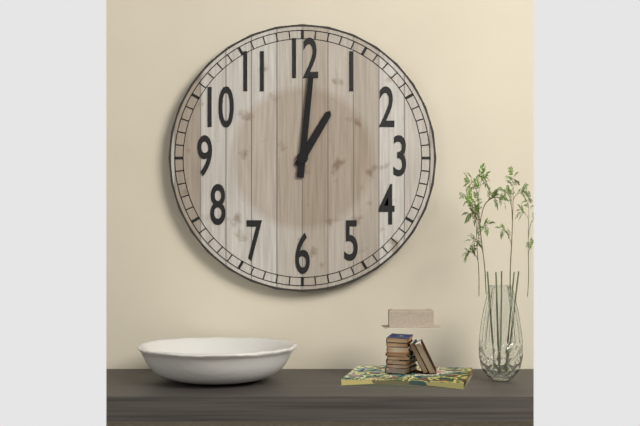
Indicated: **1:01**
